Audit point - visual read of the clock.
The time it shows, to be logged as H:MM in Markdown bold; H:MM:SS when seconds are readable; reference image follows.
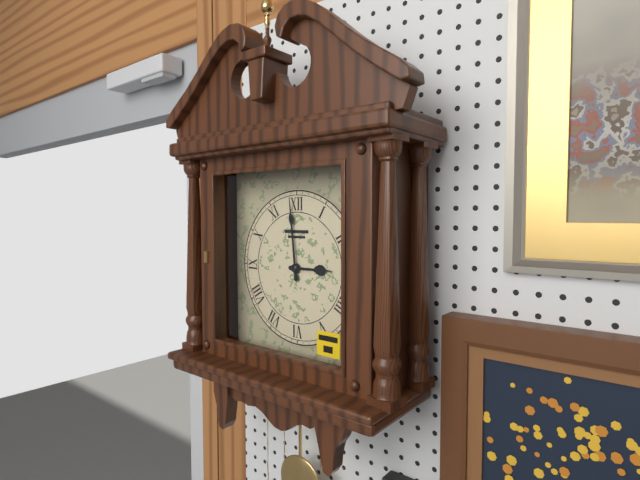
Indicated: **2:59**
